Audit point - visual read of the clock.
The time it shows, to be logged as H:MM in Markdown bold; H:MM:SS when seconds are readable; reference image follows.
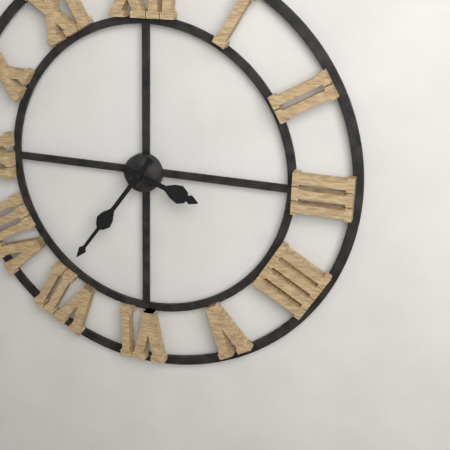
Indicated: **3:36**
